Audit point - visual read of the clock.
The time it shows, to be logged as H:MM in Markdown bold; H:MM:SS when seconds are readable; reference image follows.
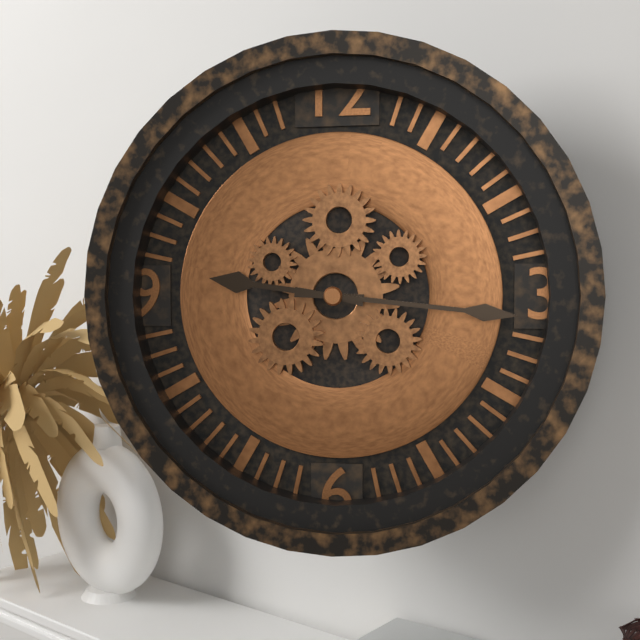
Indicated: **9:16**
